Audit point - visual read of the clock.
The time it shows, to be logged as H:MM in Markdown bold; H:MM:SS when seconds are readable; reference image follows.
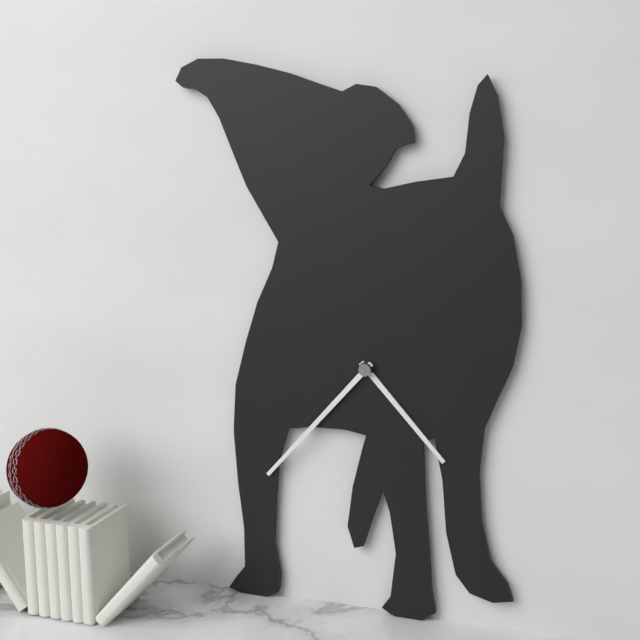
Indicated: **4:37**
